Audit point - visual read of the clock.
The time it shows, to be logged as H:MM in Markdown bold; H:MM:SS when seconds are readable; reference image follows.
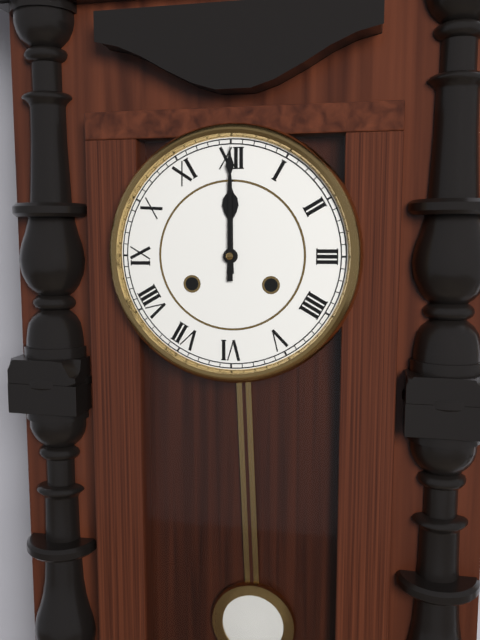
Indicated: **12:00**
